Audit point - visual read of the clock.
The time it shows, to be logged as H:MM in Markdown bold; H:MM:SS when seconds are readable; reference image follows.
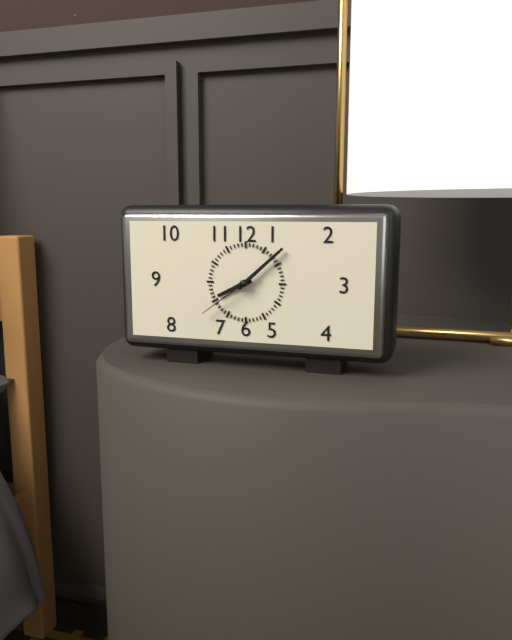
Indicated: **8:08:39**
